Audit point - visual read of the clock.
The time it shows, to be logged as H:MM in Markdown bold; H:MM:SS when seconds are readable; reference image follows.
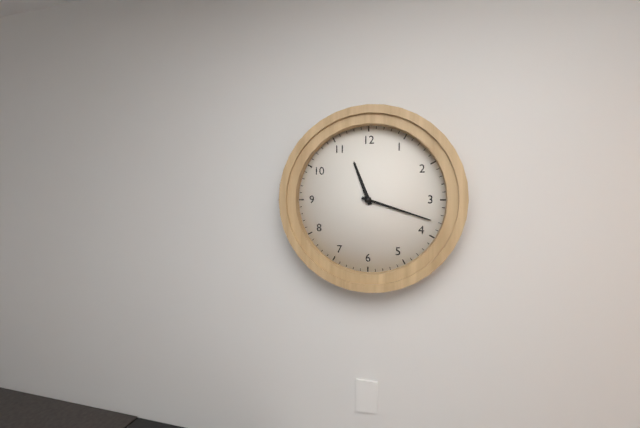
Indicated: **11:18**
